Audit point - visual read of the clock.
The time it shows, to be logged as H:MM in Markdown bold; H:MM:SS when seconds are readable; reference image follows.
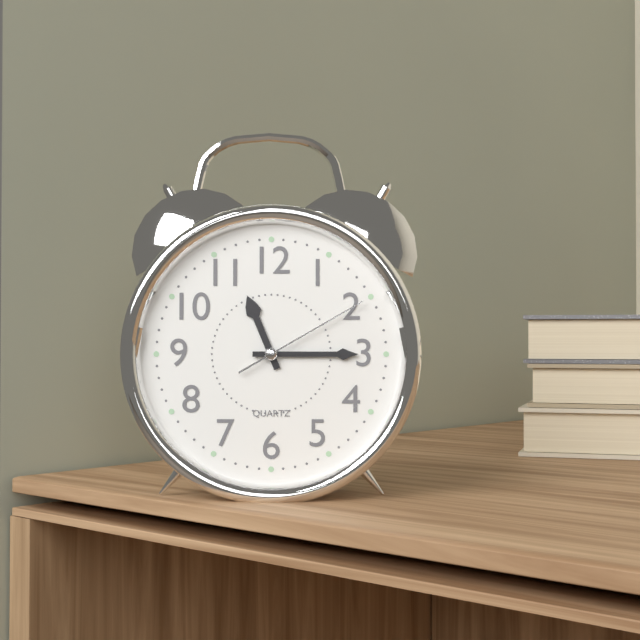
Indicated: **11:15:10**
